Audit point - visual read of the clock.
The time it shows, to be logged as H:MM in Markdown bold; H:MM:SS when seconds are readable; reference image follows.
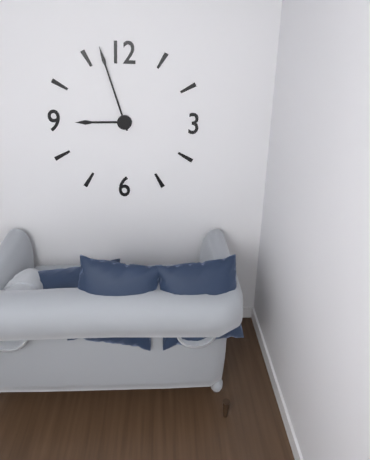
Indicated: **8:57**
